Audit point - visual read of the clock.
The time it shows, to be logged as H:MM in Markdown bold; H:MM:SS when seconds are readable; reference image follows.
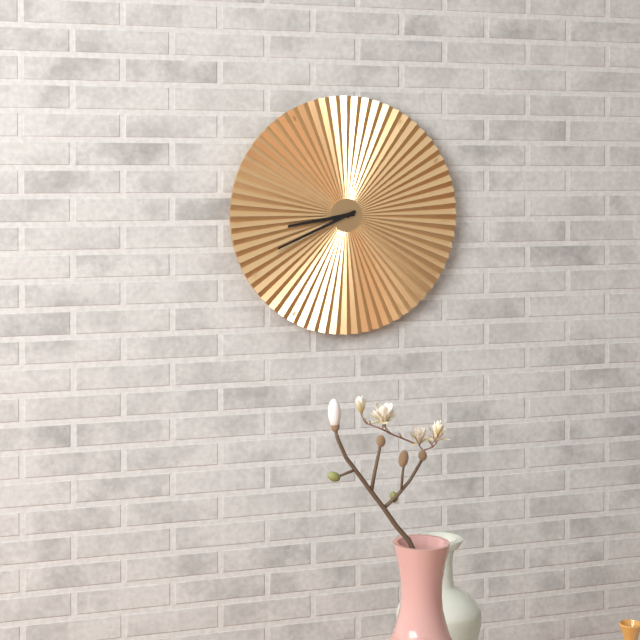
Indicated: **8:41**
